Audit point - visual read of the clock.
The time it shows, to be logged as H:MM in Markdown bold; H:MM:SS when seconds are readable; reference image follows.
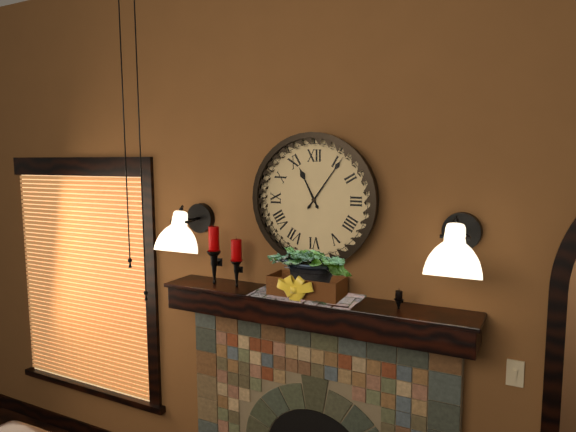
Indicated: **11:06**
